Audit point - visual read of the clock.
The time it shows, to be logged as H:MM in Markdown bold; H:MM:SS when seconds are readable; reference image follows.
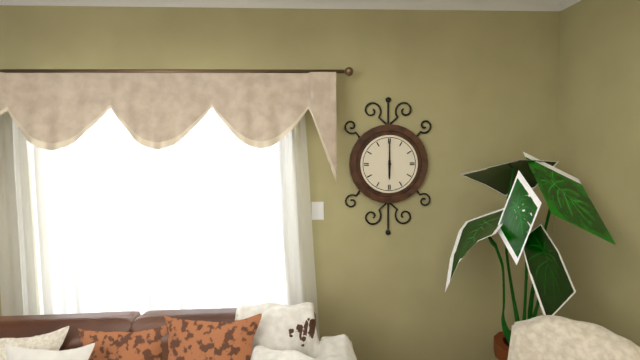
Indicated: **6:00**
